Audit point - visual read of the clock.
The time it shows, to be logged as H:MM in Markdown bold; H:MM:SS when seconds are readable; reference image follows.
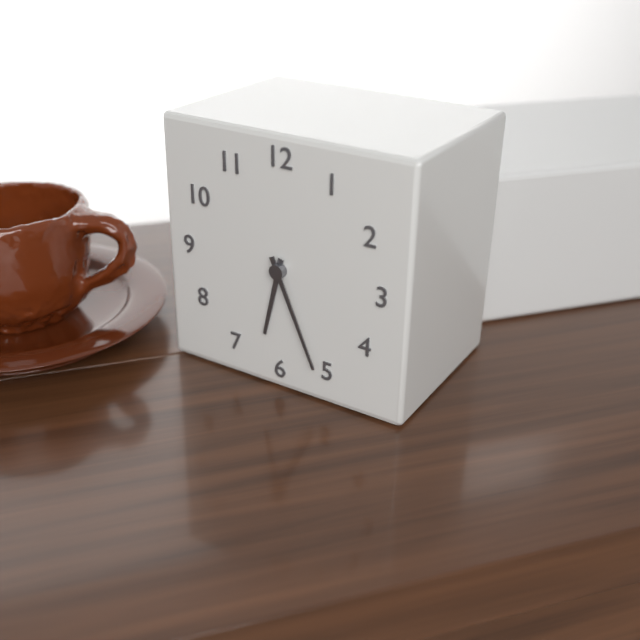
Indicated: **6:26**
